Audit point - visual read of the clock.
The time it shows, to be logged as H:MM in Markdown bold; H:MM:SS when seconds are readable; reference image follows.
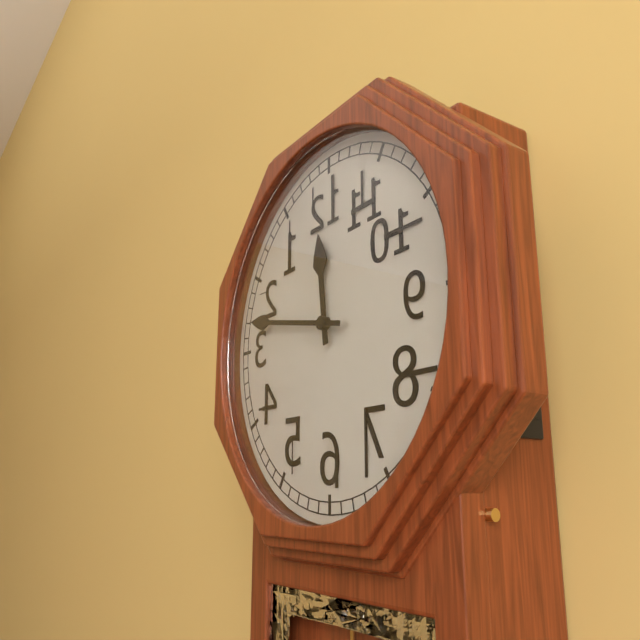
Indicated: **11:47**
